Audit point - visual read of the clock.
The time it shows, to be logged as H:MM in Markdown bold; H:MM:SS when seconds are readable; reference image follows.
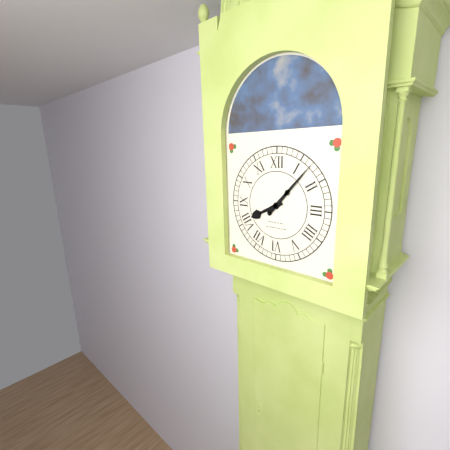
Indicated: **8:07**
